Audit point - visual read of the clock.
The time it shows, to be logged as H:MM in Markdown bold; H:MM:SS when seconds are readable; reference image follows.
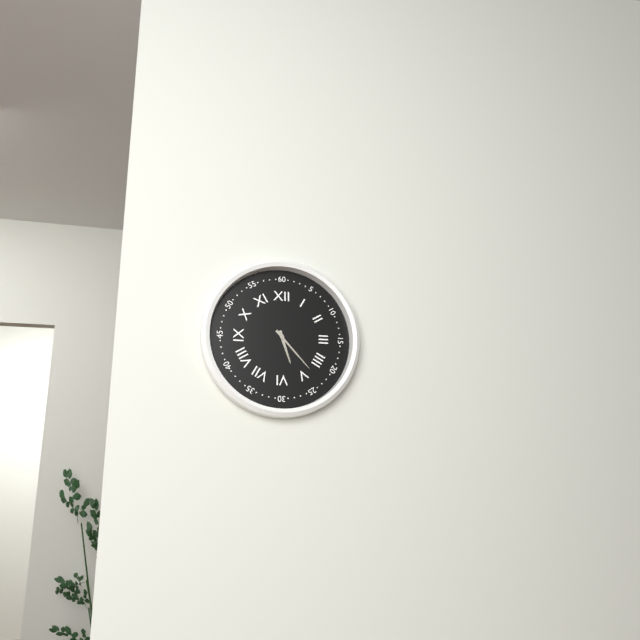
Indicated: **5:23**
